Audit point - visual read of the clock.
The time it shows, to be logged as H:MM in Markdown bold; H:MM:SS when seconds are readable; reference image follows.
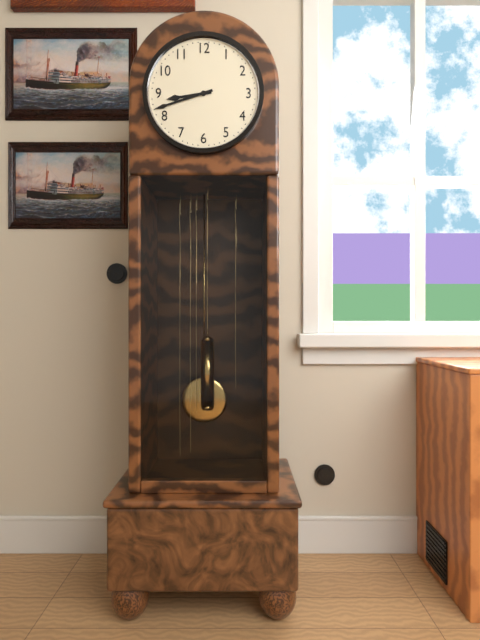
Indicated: **8:42**
